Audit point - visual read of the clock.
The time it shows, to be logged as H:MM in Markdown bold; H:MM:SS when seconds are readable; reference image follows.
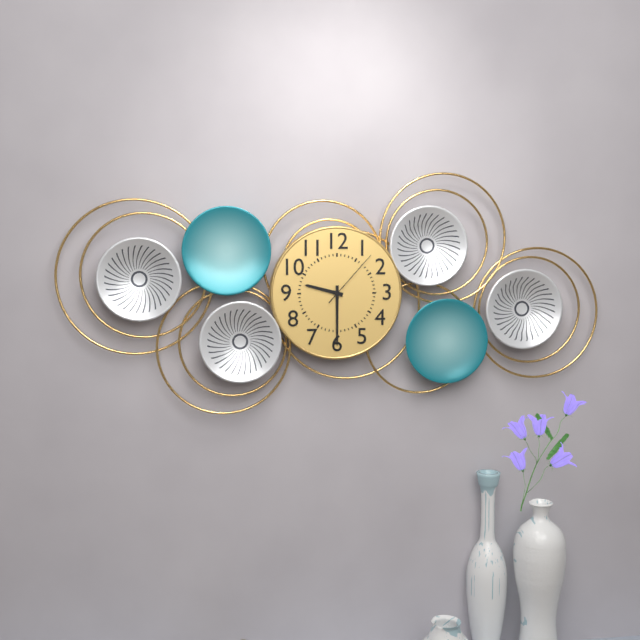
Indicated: **9:30:07**
